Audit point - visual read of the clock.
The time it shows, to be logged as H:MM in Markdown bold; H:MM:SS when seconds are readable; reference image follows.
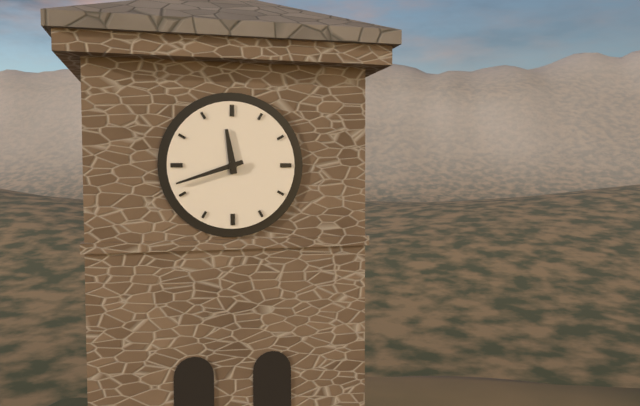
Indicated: **11:42**
